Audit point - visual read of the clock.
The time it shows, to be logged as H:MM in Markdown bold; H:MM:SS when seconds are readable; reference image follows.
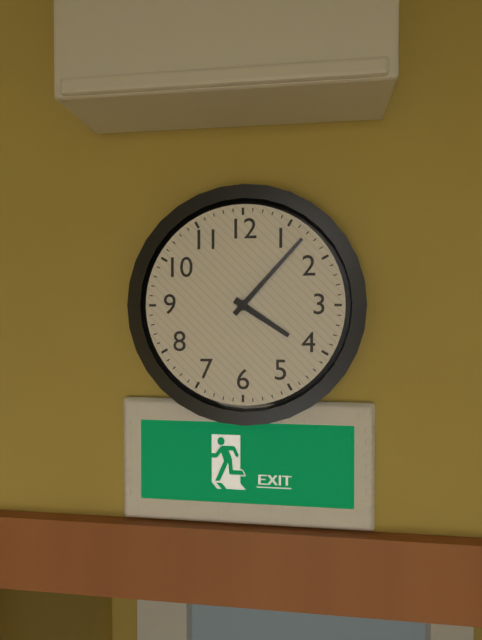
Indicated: **4:07**
